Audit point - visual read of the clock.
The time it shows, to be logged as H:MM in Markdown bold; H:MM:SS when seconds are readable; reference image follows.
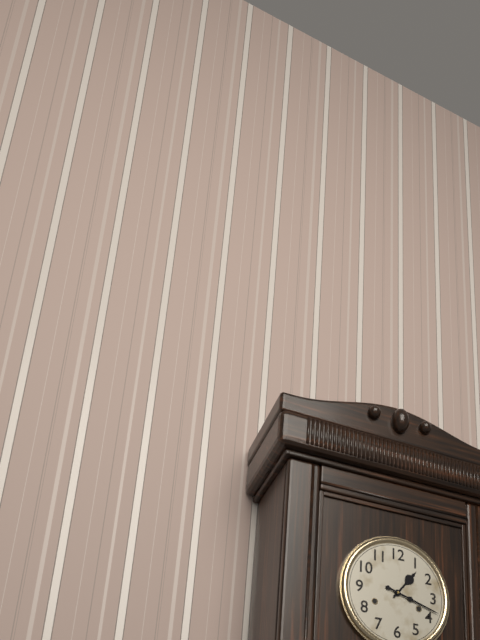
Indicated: **1:18**
